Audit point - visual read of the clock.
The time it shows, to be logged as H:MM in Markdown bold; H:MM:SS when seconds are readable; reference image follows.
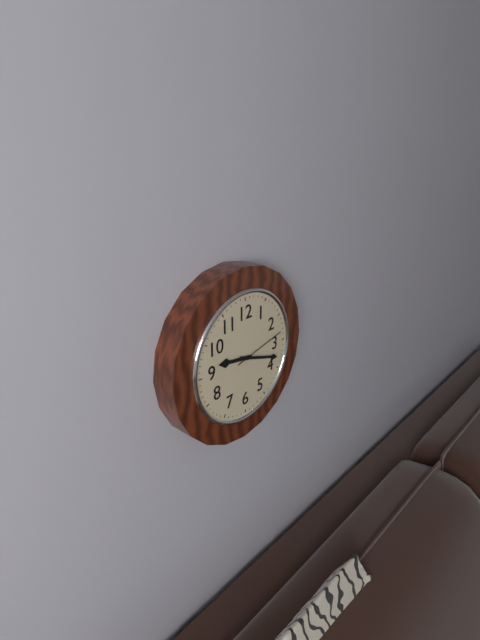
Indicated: **9:18:13**
